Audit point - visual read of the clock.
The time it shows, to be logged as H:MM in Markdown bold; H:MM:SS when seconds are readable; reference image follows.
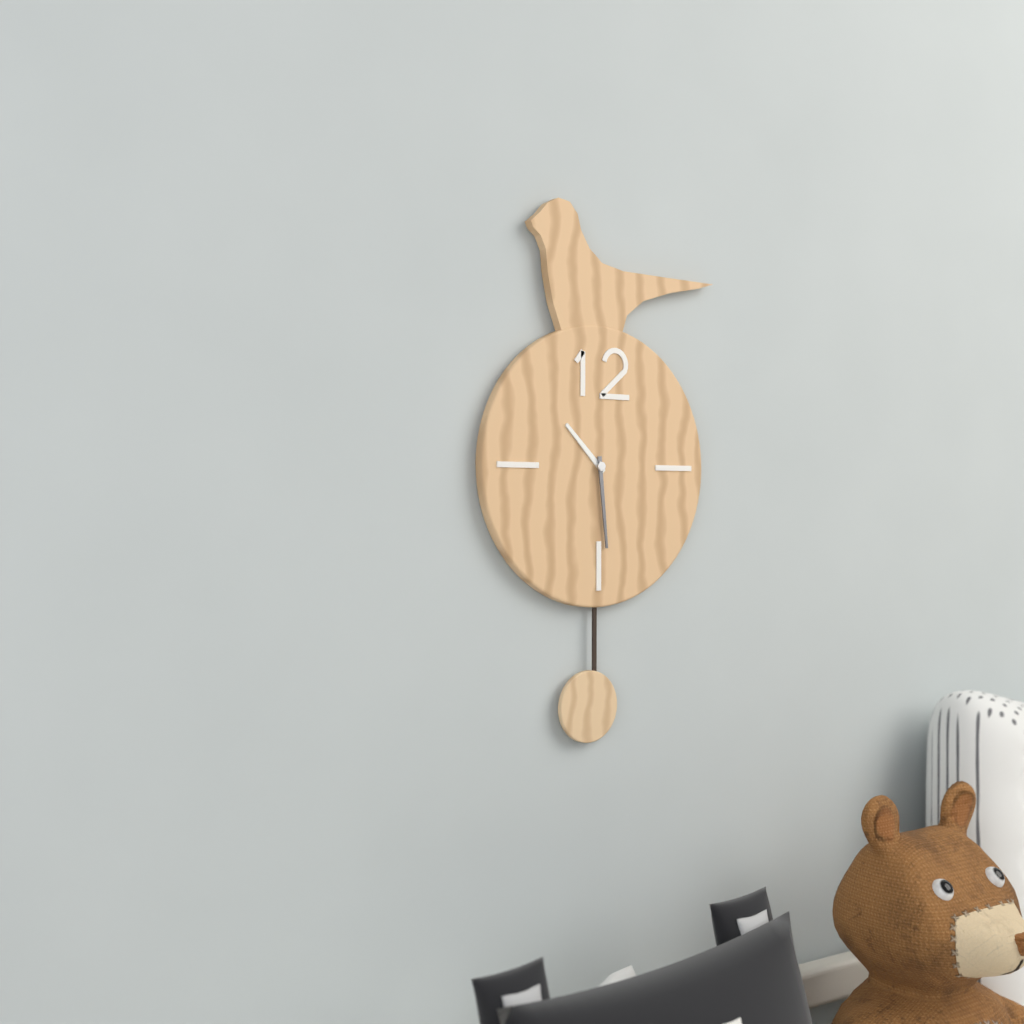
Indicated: **10:29**
